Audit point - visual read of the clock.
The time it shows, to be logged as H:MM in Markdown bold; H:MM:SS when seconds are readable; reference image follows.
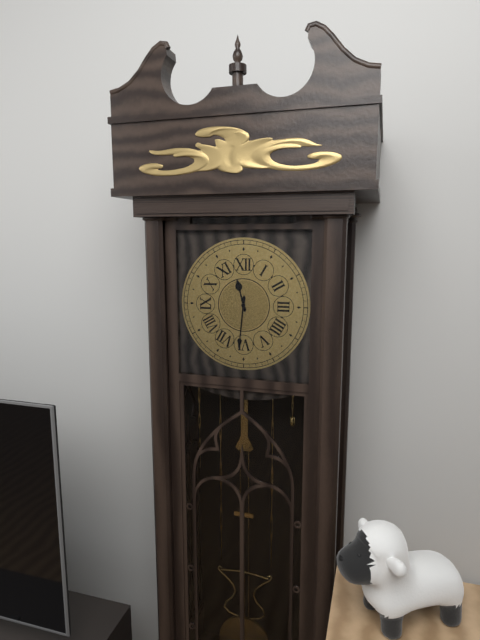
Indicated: **11:31**
